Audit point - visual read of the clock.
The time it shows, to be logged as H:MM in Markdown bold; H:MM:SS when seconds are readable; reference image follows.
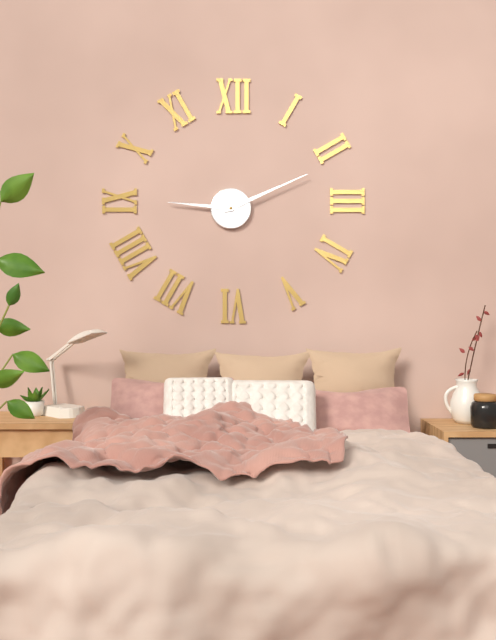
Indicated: **9:11**
